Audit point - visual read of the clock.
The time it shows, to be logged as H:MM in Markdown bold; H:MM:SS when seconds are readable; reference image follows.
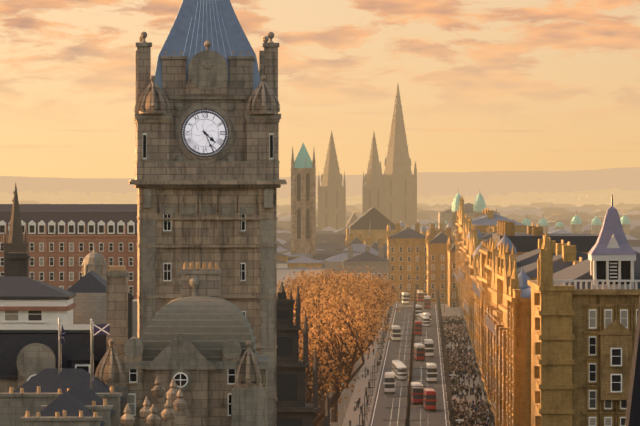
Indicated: **4:26**
